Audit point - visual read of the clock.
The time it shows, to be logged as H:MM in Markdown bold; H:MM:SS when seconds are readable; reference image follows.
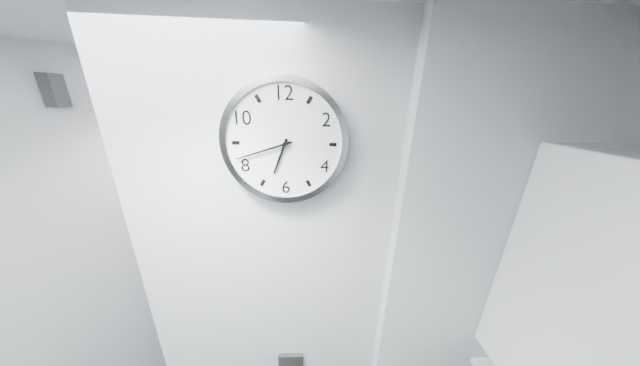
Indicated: **6:42**
